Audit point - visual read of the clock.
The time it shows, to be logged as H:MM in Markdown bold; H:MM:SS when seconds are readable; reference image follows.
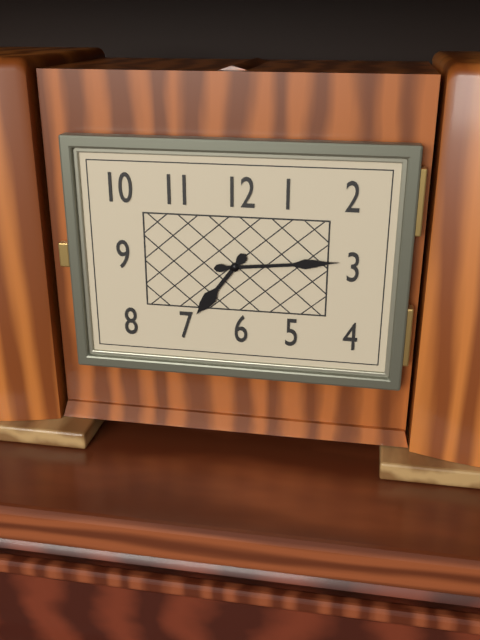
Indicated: **7:14**
